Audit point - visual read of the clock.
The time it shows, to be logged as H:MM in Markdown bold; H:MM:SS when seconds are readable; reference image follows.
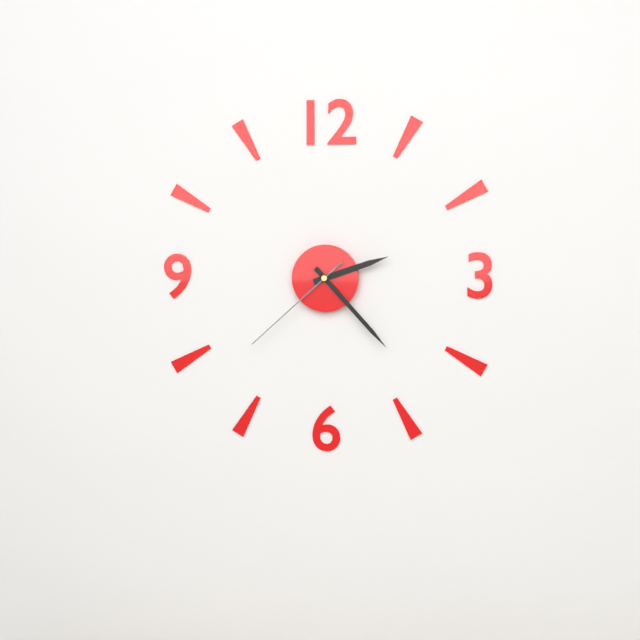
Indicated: **2:23:38**
